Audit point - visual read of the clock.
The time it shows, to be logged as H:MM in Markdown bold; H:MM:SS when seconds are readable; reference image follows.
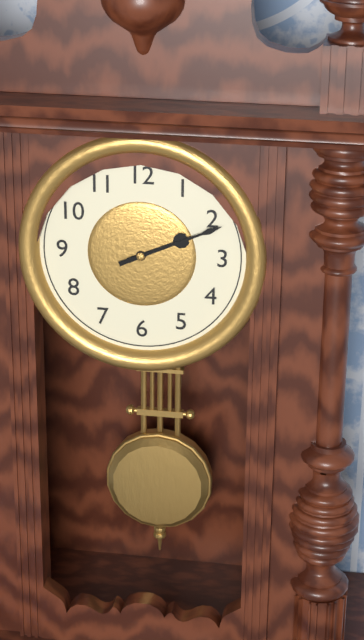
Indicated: **2:11**
